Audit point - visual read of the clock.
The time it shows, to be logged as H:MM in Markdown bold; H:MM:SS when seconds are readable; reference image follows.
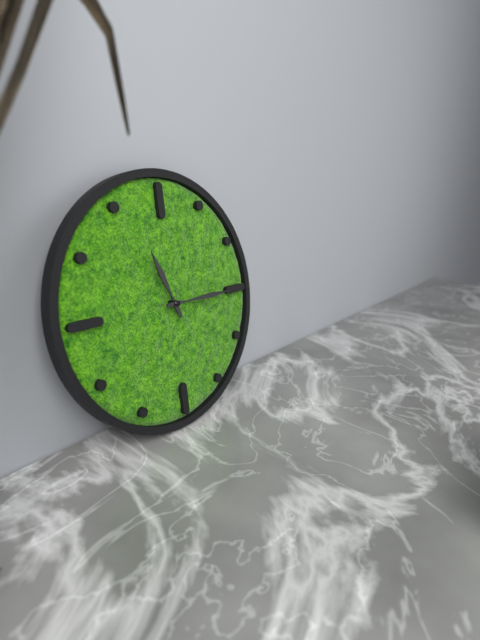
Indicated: **11:15**
